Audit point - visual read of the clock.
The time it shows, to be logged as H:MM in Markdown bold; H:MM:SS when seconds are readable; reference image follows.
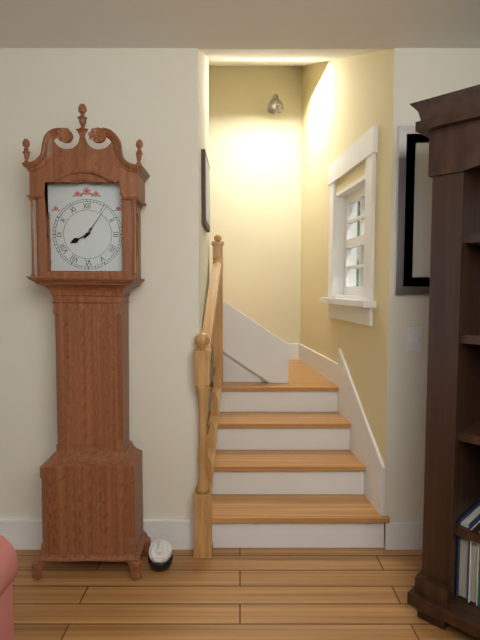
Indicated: **8:06**
